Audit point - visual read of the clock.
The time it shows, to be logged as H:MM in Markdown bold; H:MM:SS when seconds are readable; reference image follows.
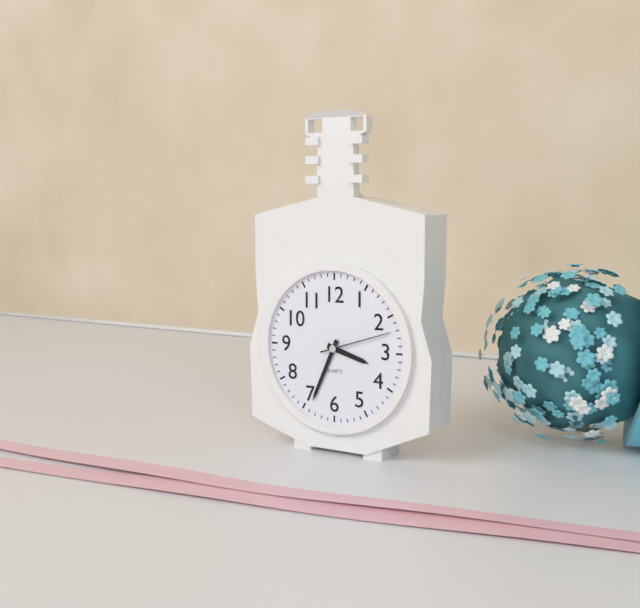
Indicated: **3:34:12**
